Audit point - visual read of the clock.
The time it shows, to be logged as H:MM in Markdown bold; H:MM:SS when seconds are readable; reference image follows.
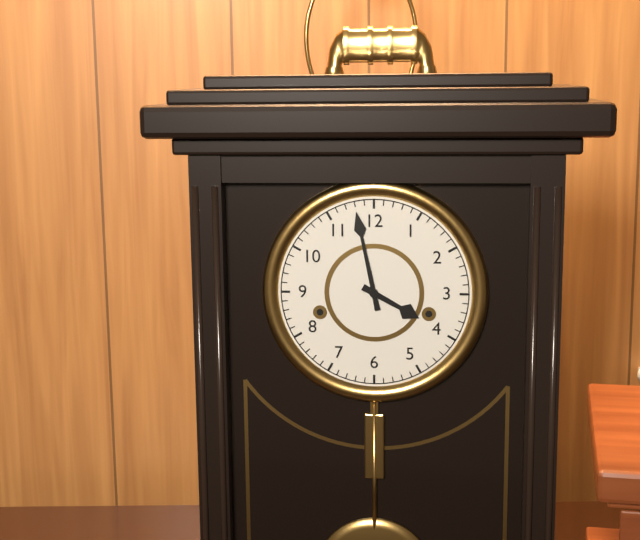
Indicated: **3:58**
